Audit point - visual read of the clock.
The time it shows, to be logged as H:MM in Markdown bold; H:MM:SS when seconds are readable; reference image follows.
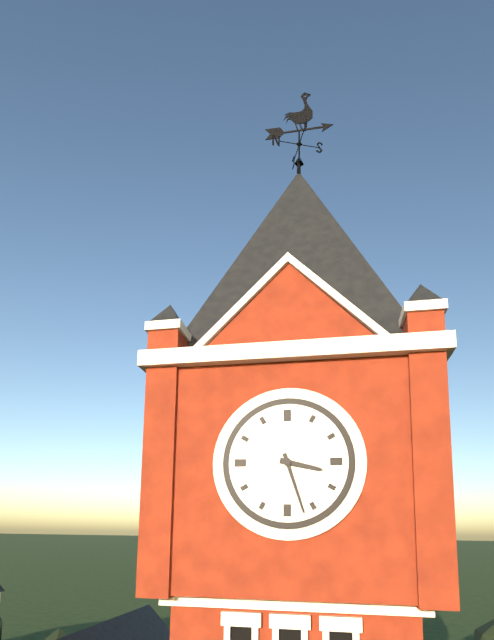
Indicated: **3:27**
